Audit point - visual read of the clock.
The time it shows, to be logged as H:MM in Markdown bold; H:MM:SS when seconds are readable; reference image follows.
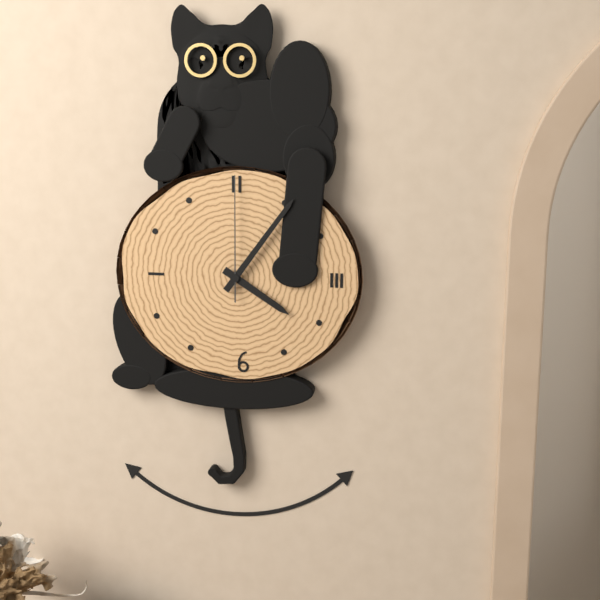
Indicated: **4:06:00**
